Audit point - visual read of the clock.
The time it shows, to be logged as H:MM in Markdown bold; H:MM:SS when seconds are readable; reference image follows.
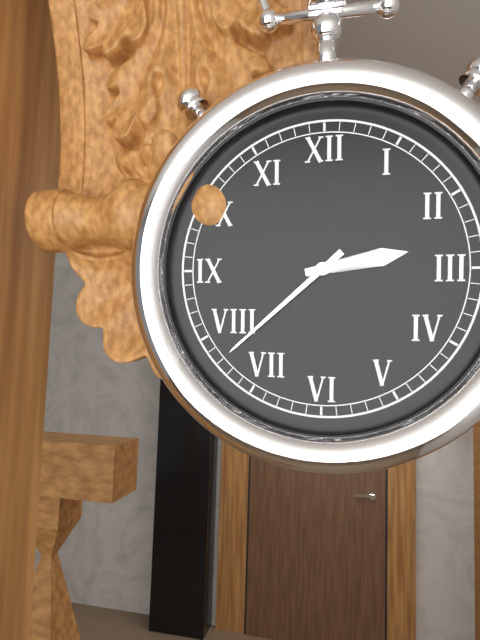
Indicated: **2:38**
